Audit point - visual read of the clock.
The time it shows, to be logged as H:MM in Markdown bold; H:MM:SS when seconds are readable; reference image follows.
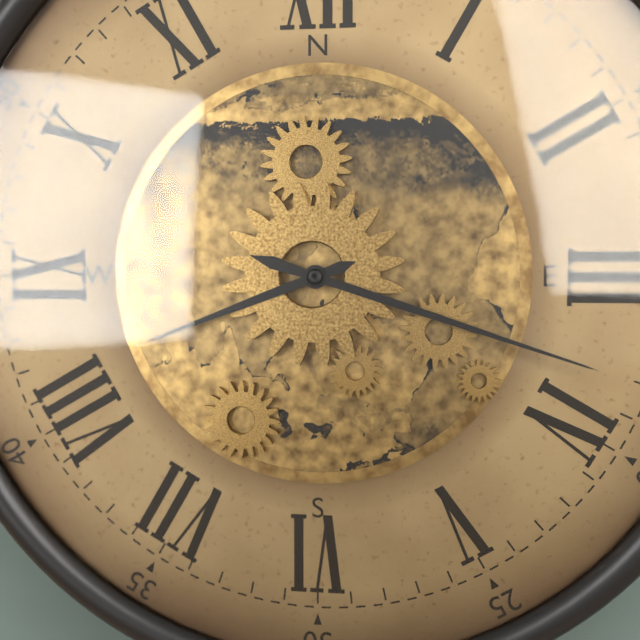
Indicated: **8:18**
